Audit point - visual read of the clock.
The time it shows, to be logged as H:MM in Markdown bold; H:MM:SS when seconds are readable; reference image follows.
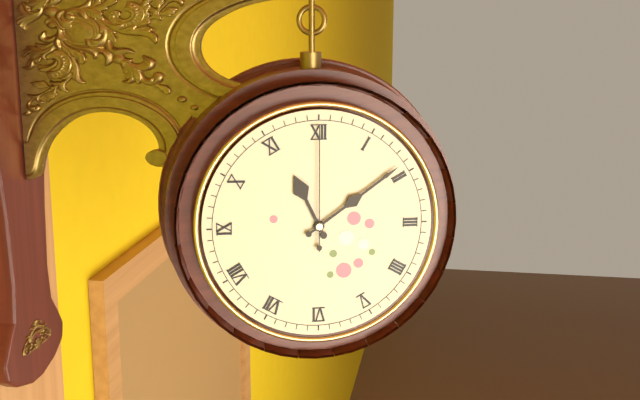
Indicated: **11:09:00**
